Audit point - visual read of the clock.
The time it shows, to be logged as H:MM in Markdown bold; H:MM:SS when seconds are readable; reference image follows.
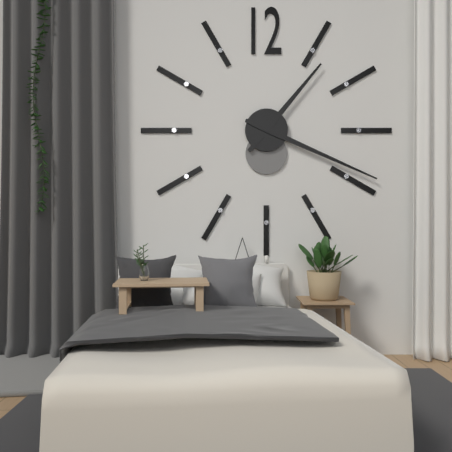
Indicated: **1:19**
